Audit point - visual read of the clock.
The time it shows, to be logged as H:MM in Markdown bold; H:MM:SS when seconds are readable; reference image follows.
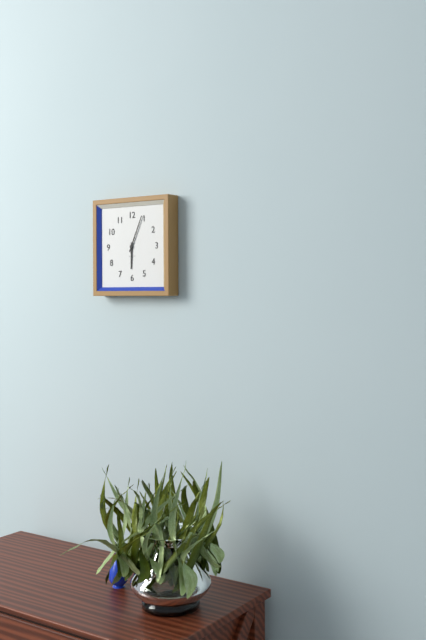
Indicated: **6:04**
